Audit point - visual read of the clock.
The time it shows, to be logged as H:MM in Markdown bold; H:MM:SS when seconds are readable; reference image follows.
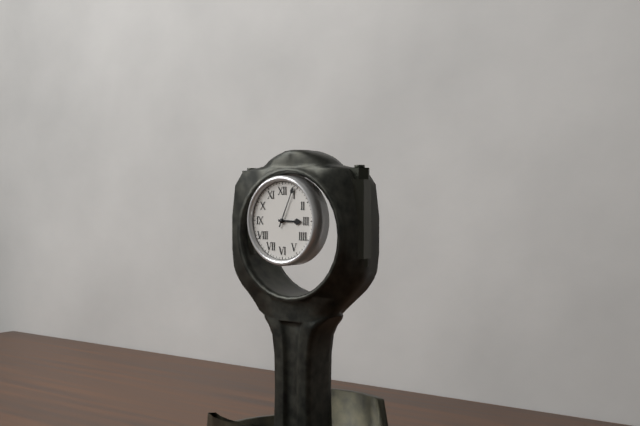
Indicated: **3:04**
